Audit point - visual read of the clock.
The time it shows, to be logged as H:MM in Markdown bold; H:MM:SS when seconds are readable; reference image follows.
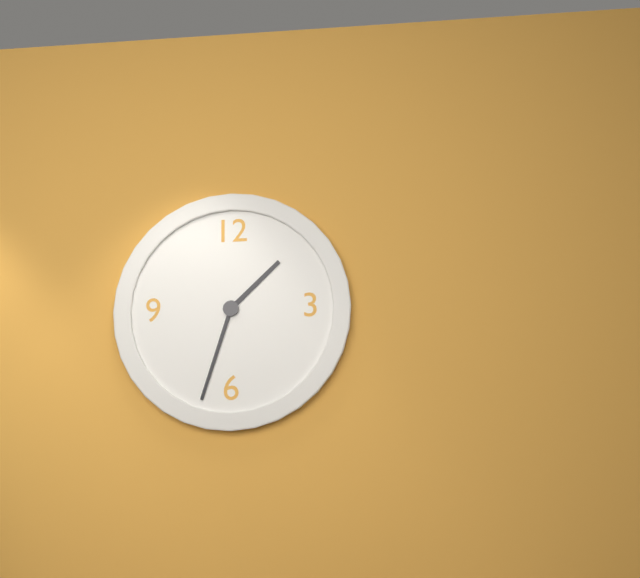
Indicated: **1:33**
